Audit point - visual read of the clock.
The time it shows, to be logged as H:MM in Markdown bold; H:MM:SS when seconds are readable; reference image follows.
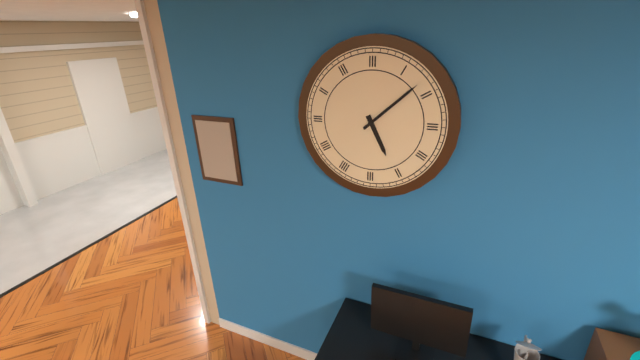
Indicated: **5:08**
